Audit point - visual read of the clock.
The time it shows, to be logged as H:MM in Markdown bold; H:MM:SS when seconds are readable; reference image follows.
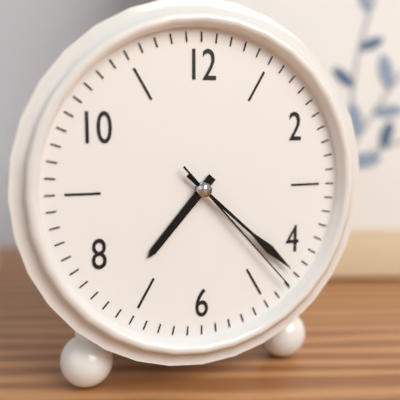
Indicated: **7:22:23**
